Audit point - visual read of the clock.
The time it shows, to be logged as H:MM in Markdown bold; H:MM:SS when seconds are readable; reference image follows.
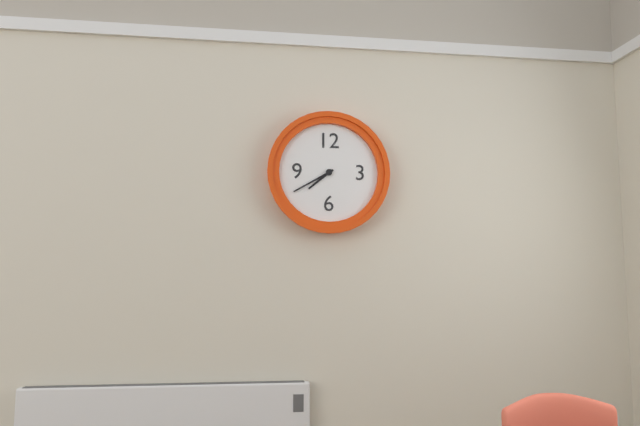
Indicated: **7:40**
